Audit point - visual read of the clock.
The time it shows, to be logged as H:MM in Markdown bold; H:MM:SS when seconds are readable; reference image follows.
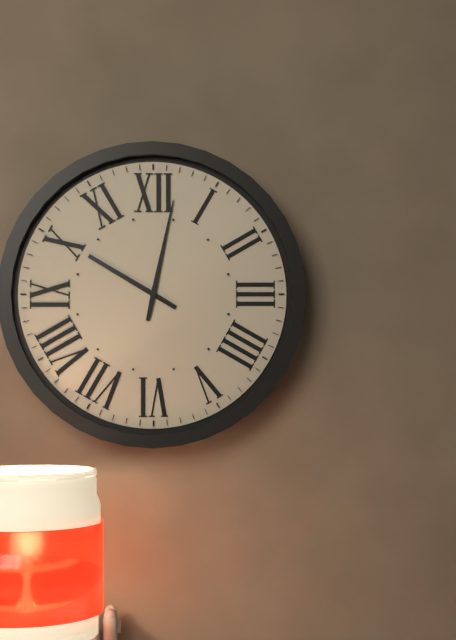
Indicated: **10:02**
